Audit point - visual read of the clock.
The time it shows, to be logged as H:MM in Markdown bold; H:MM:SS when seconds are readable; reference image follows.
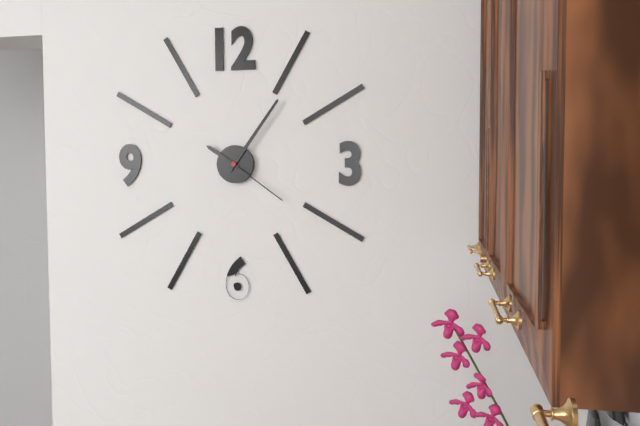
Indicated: **10:06:21**
